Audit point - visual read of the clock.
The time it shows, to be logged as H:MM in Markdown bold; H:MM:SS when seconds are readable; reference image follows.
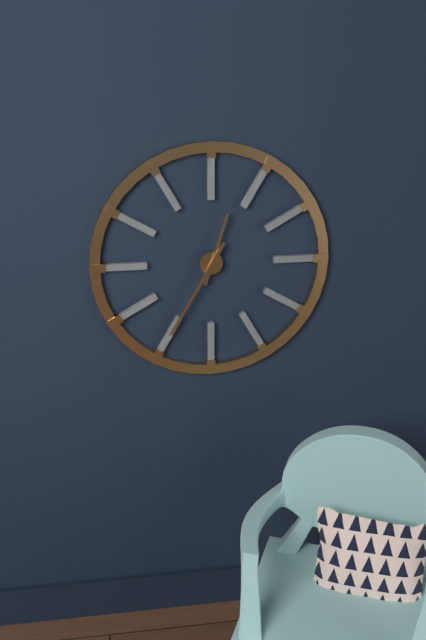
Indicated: **12:35**
